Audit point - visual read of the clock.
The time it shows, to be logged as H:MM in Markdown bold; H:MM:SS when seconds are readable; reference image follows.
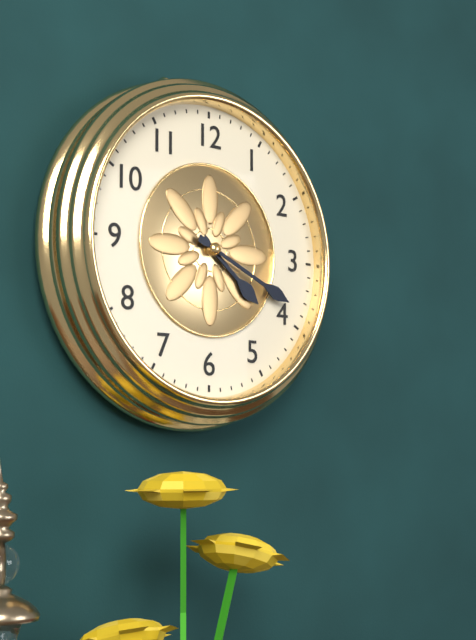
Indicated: **4:19**
